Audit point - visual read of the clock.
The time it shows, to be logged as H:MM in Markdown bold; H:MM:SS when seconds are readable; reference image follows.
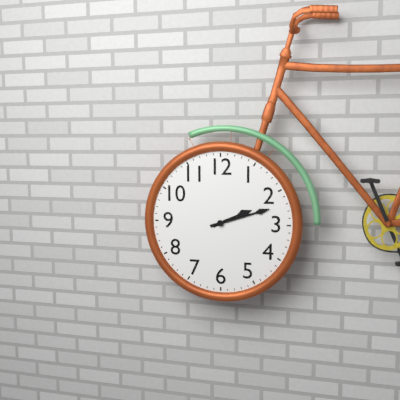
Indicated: **2:12**
